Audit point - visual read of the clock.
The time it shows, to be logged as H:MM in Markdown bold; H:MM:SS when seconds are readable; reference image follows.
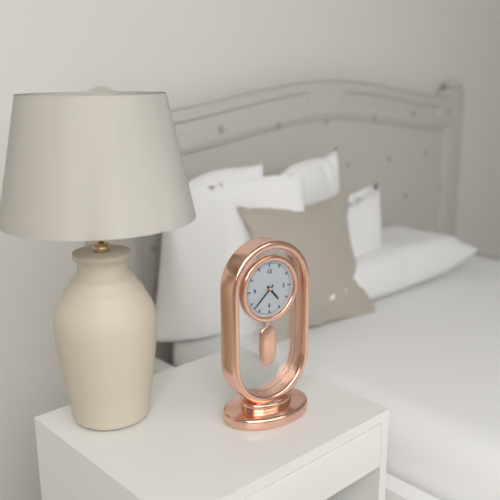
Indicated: **4:38**
